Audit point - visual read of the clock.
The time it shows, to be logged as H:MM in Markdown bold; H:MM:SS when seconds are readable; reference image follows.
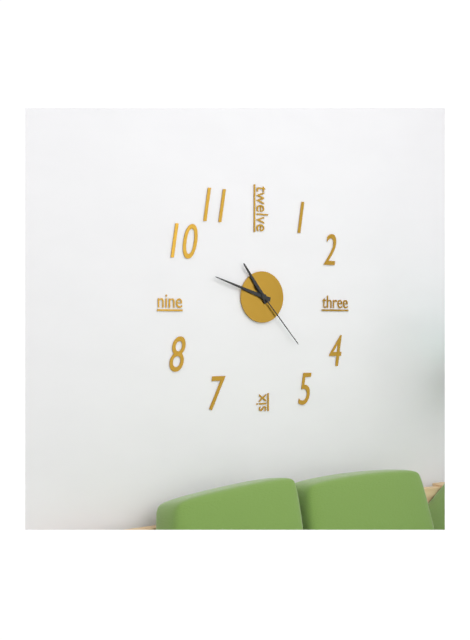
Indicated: **10:48:23**
